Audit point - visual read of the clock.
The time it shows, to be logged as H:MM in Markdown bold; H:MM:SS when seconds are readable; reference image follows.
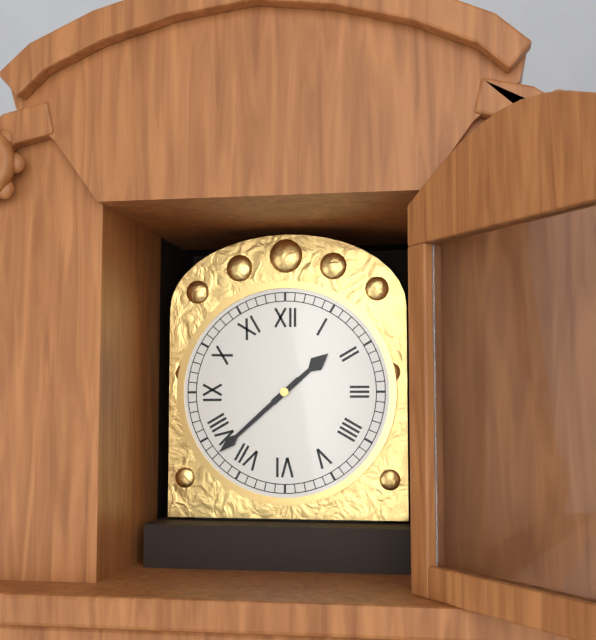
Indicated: **1:38**
